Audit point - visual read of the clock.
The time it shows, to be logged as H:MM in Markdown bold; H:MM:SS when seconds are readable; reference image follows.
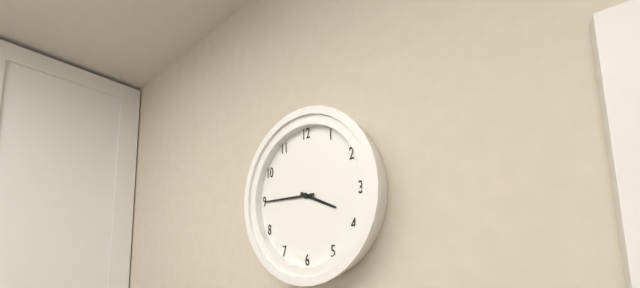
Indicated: **3:45**
